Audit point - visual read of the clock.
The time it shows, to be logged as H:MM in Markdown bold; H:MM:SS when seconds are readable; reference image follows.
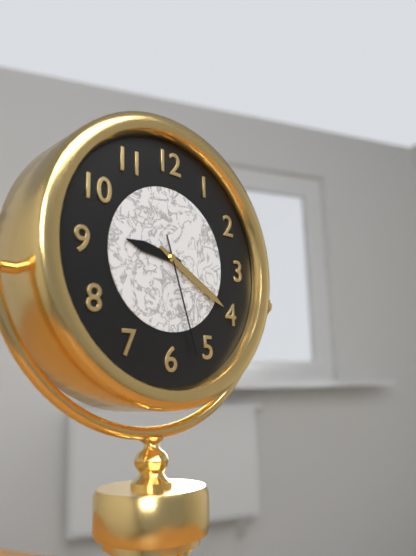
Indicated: **9:20:27**
